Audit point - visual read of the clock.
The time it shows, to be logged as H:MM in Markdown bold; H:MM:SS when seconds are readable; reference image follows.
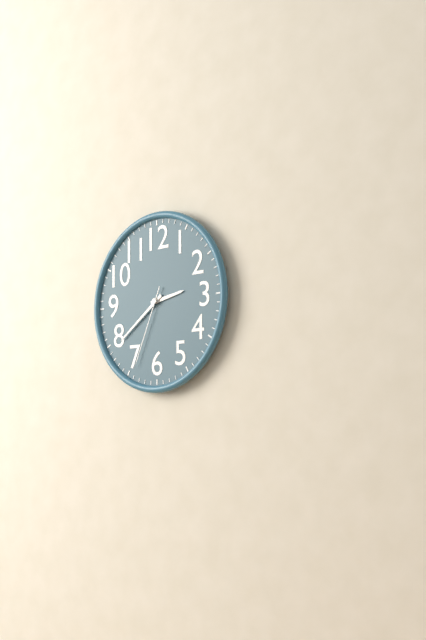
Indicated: **2:39:34**
